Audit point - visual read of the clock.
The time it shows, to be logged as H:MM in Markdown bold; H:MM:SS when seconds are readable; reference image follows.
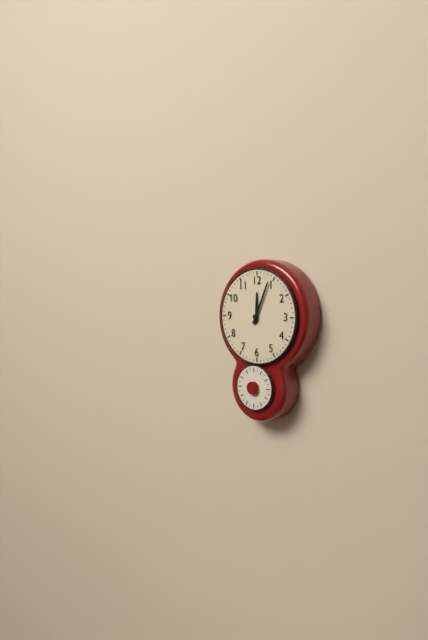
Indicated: **12:04**
